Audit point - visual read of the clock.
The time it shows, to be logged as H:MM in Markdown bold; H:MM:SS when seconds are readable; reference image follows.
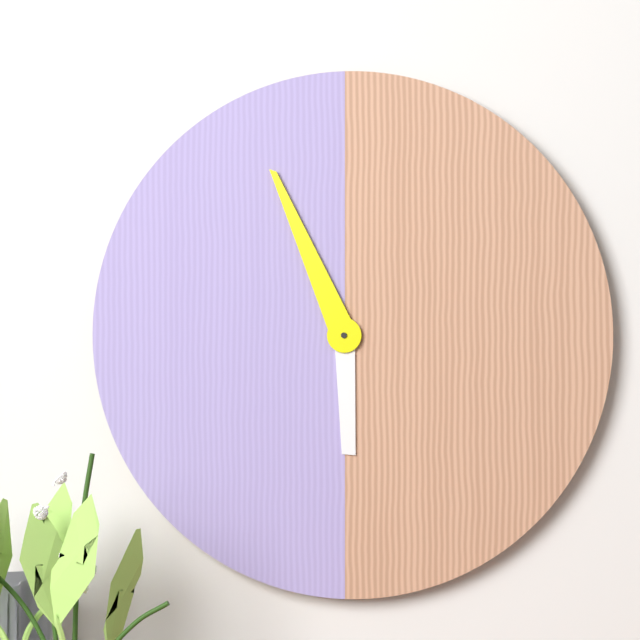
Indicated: **5:56**
